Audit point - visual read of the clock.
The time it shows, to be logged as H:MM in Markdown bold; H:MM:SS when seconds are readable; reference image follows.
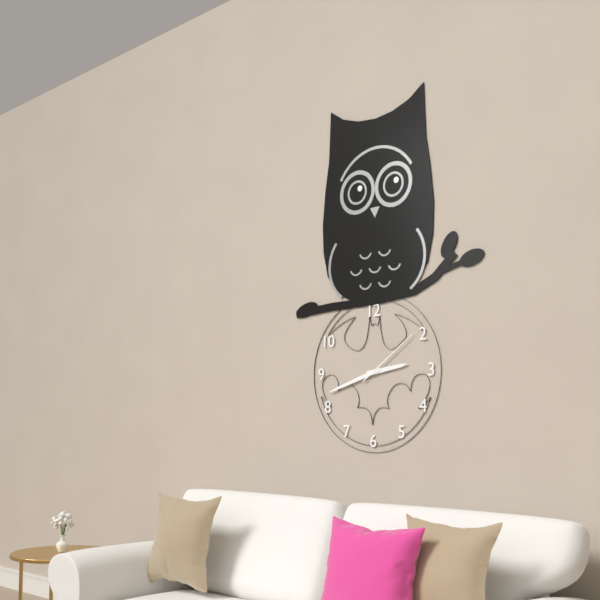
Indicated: **2:42:09**
